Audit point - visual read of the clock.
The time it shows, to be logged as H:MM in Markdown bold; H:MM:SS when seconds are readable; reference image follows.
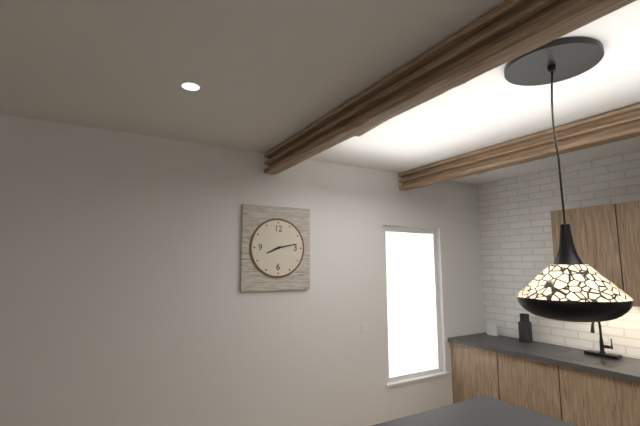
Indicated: **8:13**
